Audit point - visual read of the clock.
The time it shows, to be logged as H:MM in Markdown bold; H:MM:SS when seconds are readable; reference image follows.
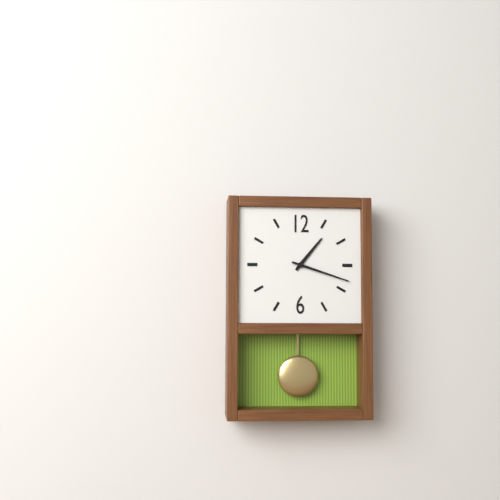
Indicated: **1:18**
